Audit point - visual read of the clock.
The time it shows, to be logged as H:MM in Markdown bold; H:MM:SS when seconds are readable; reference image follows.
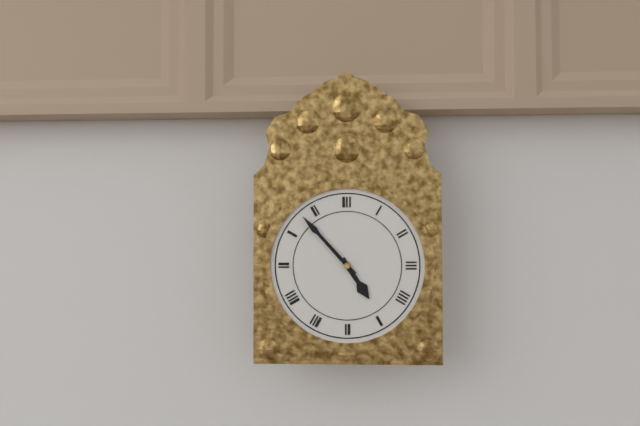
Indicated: **4:53**
